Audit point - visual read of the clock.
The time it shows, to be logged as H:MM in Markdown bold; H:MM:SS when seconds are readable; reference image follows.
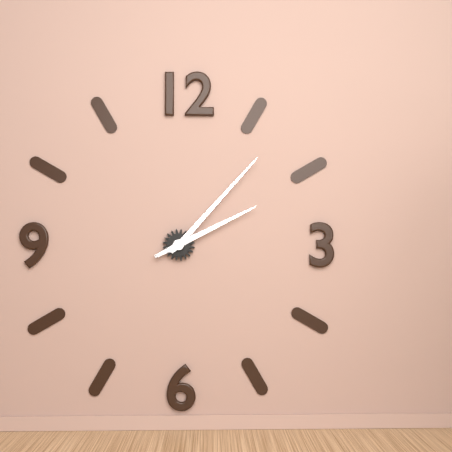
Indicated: **2:07**
